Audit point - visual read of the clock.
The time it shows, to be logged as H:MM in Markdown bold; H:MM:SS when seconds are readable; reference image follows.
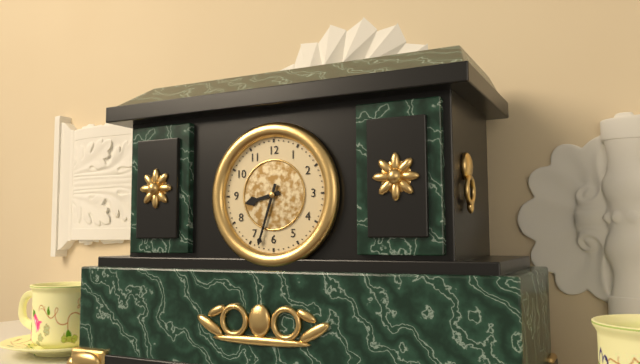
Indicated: **8:33**
